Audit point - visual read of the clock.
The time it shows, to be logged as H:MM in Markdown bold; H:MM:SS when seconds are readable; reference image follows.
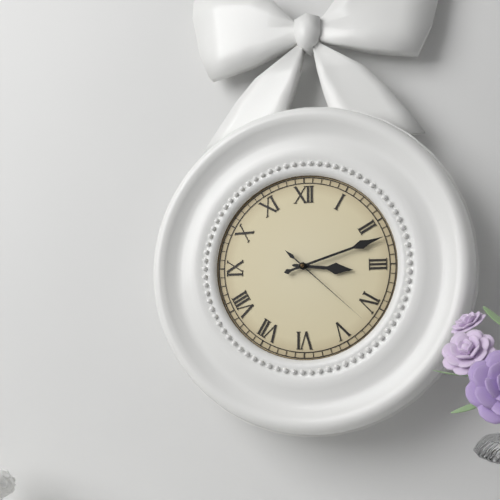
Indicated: **3:12:22**
